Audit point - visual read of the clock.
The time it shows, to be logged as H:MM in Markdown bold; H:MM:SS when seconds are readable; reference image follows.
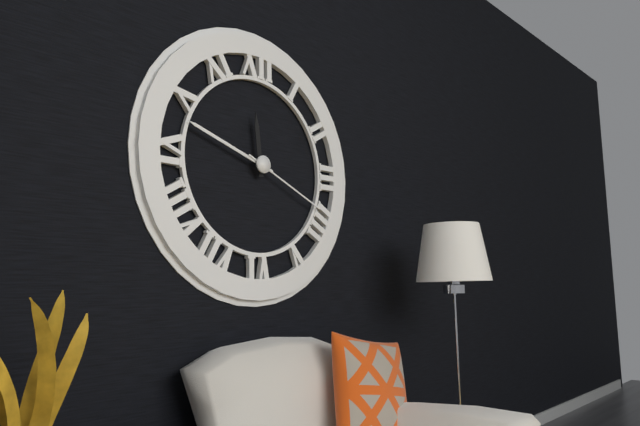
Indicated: **11:48:19**
